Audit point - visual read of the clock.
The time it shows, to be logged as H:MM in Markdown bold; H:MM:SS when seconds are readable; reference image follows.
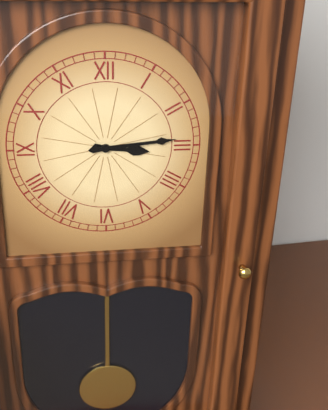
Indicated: **3:14**
